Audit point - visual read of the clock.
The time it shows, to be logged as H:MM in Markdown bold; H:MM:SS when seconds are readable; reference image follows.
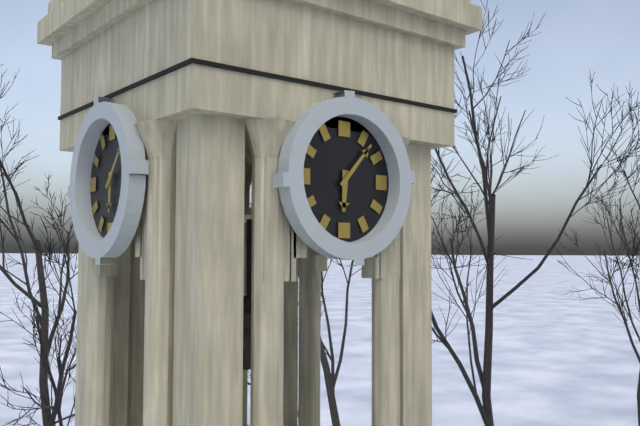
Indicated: **6:07**
